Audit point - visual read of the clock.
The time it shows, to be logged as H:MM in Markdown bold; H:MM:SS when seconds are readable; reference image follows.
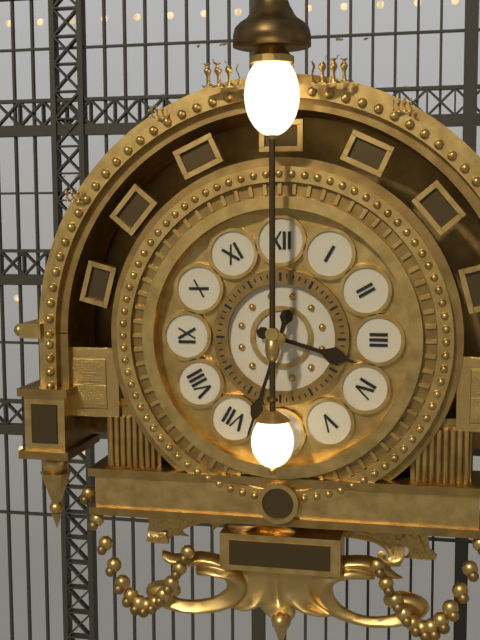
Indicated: **3:33**
